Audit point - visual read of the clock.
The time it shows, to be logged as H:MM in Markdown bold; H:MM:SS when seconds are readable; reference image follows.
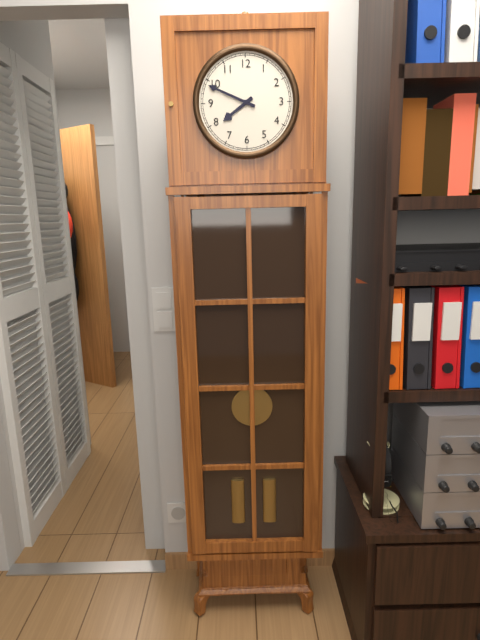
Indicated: **7:49**
